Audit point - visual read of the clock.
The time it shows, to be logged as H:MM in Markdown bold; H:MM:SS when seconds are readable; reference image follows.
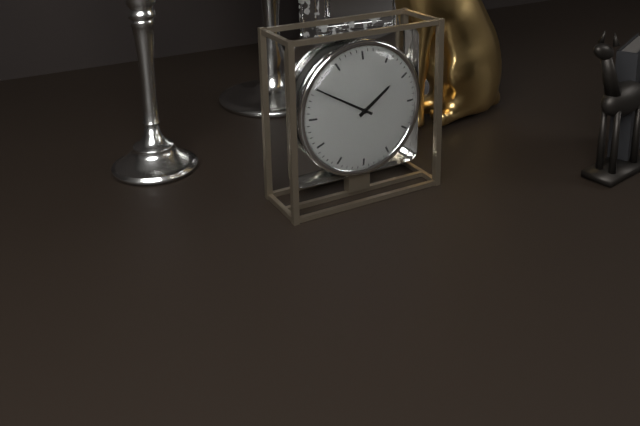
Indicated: **1:50**
